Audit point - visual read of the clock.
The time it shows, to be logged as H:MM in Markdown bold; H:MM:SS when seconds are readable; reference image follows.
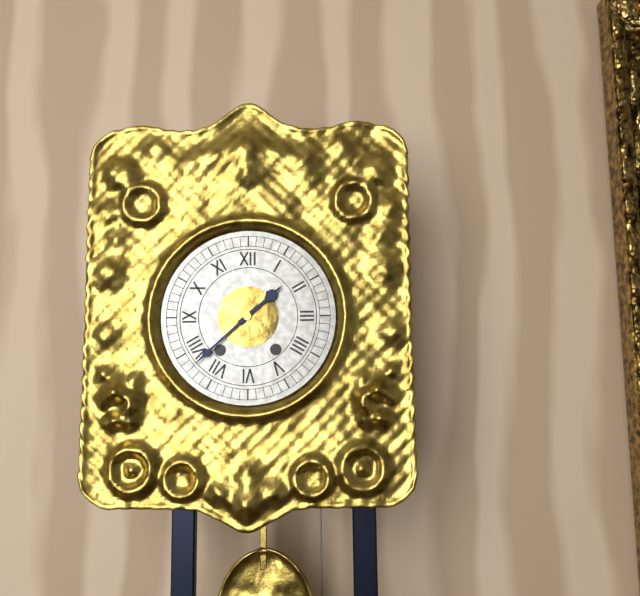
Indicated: **1:38**
